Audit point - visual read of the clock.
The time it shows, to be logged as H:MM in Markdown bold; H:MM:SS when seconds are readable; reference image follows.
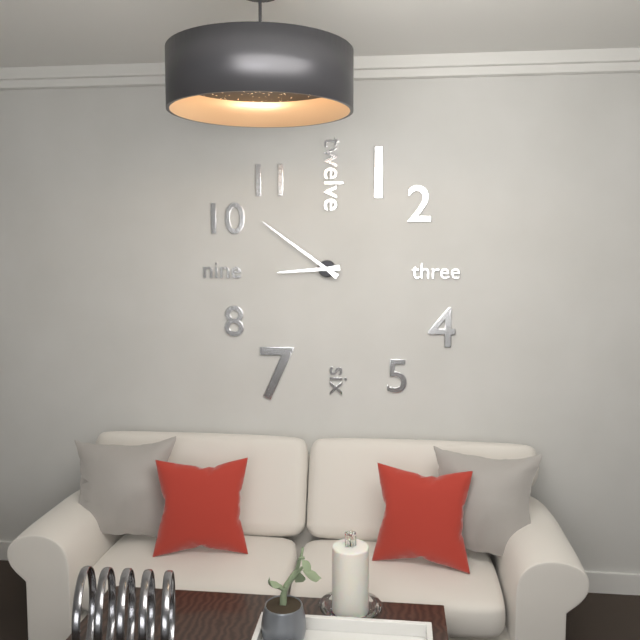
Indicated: **8:51**
